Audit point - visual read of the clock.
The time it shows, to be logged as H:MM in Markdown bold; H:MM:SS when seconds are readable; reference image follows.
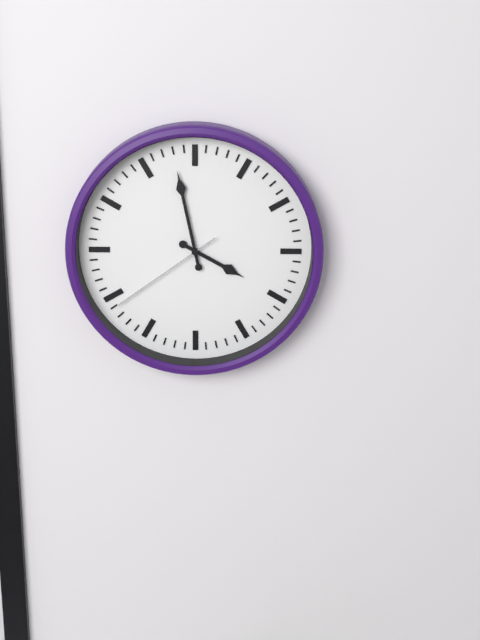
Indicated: **3:58:39**
